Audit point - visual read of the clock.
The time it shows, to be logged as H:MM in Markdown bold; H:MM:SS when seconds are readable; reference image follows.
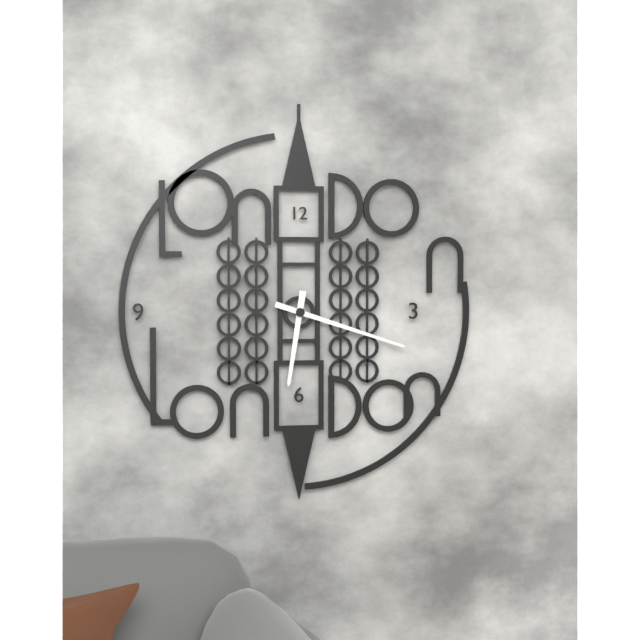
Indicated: **6:18**
